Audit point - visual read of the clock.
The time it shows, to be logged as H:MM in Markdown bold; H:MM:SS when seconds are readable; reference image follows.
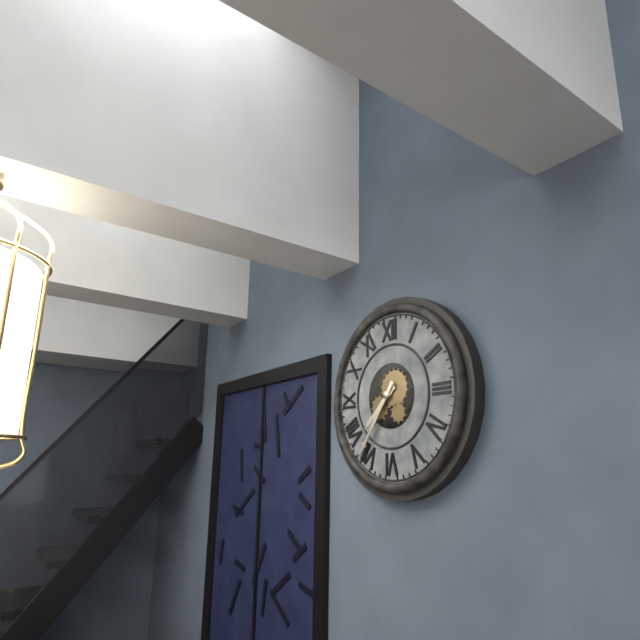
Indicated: **7:36**
